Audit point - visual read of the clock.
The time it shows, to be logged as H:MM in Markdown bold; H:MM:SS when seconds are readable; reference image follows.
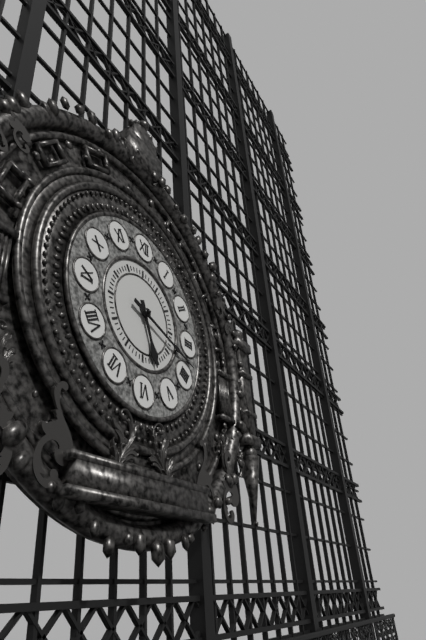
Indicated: **5:18**
